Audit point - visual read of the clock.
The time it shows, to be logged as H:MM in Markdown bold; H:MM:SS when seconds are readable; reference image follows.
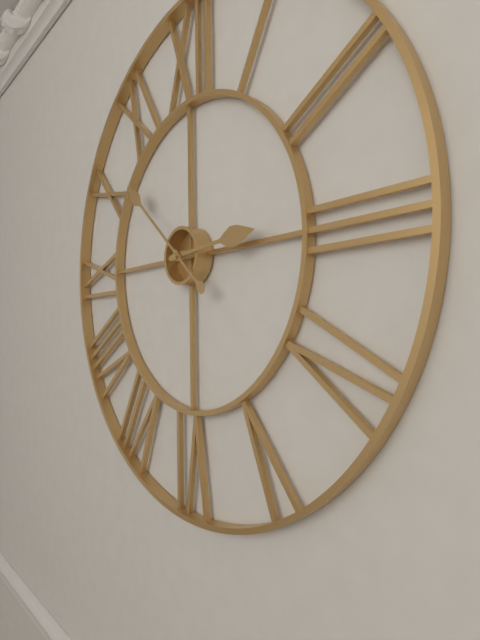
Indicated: **2:52**
